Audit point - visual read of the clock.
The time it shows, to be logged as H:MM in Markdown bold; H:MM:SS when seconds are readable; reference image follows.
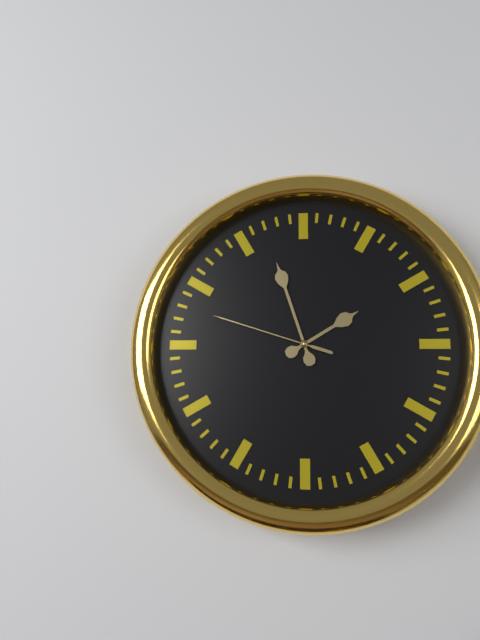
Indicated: **1:57:48**
